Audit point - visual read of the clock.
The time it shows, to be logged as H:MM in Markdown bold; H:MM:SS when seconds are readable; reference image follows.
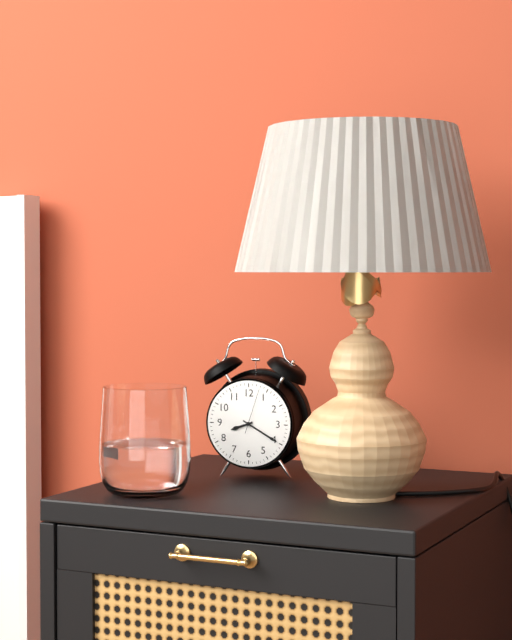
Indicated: **8:20**
